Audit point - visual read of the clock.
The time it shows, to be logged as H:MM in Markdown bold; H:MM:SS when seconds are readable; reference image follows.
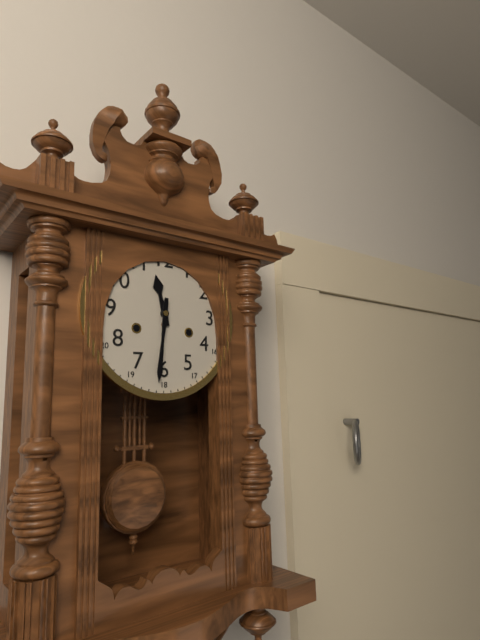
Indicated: **11:31**
